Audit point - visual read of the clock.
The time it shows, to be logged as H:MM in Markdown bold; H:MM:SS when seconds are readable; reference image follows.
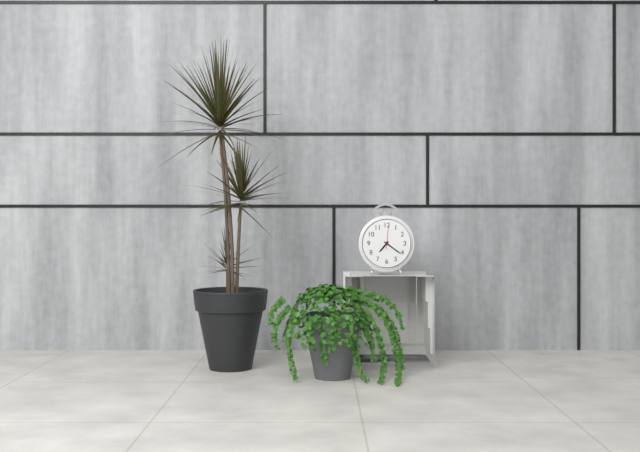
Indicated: **7:21**
